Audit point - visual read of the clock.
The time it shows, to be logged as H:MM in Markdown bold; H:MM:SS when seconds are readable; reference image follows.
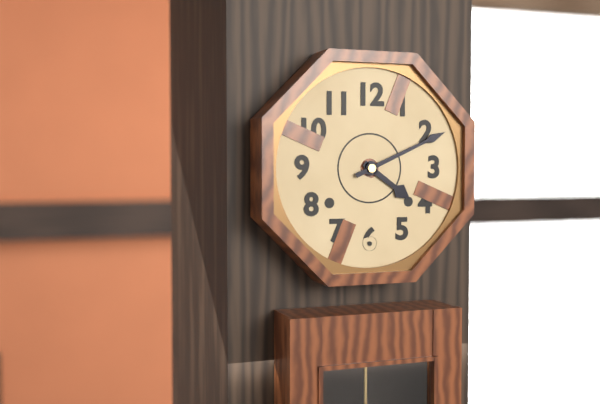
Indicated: **4:11**
